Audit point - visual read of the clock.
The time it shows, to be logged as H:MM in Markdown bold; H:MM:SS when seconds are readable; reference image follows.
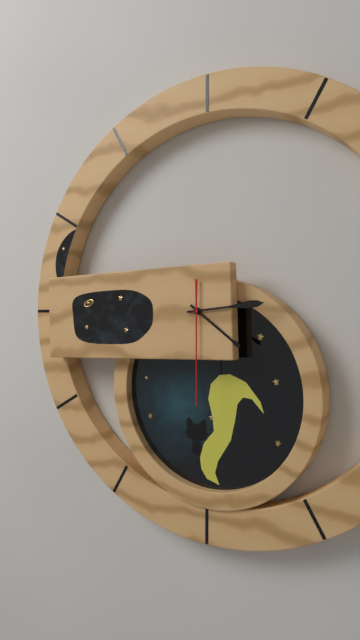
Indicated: **4:14:30**
